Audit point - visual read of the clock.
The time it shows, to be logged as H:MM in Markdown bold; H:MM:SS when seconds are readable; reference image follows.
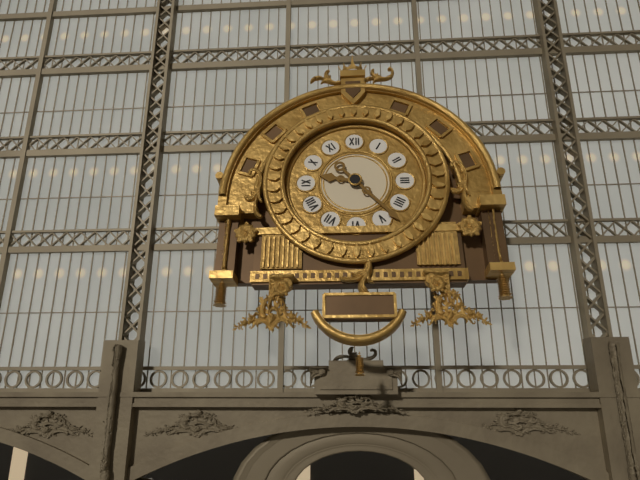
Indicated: **9:23**
